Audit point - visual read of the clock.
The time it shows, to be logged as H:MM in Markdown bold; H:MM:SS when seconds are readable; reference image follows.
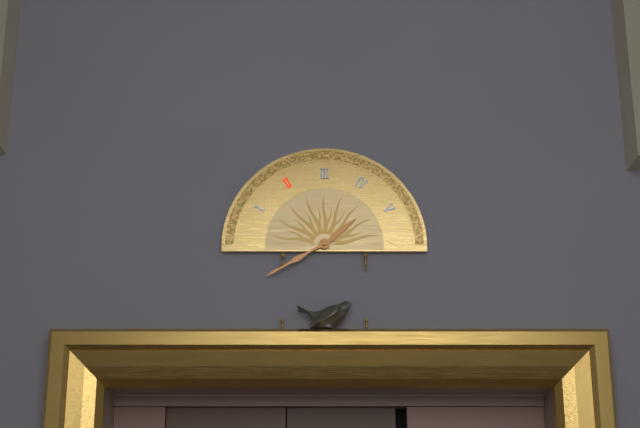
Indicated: **1:40**
